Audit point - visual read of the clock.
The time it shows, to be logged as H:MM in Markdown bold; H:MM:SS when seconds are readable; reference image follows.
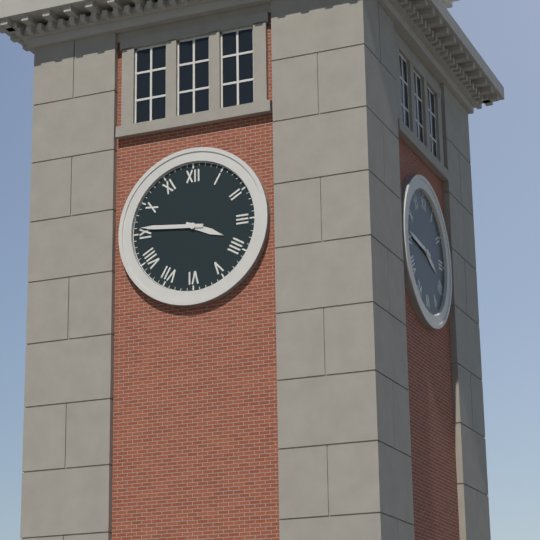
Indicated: **3:46**
